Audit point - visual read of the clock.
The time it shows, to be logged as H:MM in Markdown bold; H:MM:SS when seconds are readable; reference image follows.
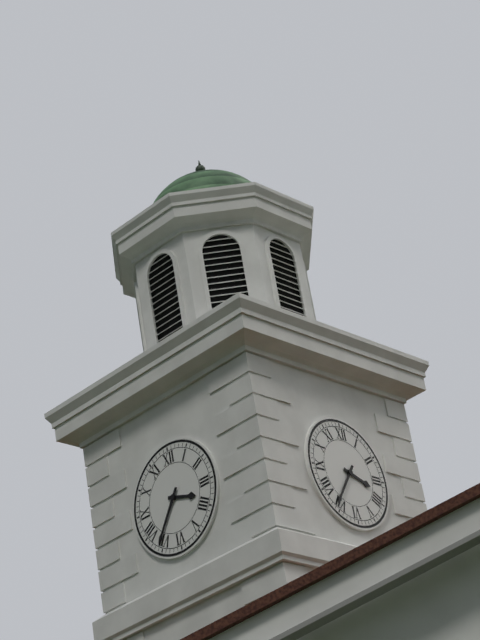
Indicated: **3:36**
